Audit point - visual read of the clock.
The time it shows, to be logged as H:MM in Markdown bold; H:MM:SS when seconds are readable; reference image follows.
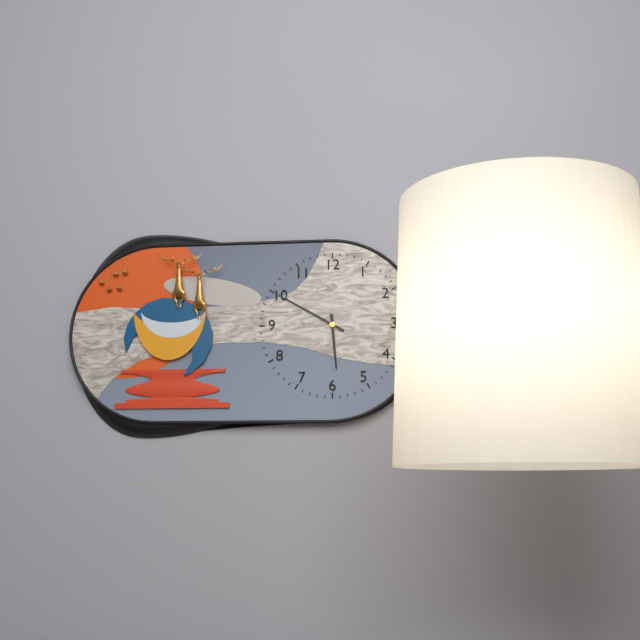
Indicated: **5:50**
